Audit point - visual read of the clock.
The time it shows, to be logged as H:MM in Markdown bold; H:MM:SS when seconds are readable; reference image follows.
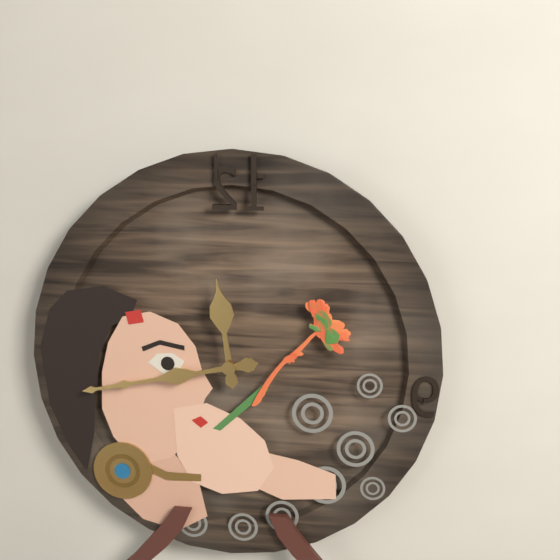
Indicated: **11:43**
